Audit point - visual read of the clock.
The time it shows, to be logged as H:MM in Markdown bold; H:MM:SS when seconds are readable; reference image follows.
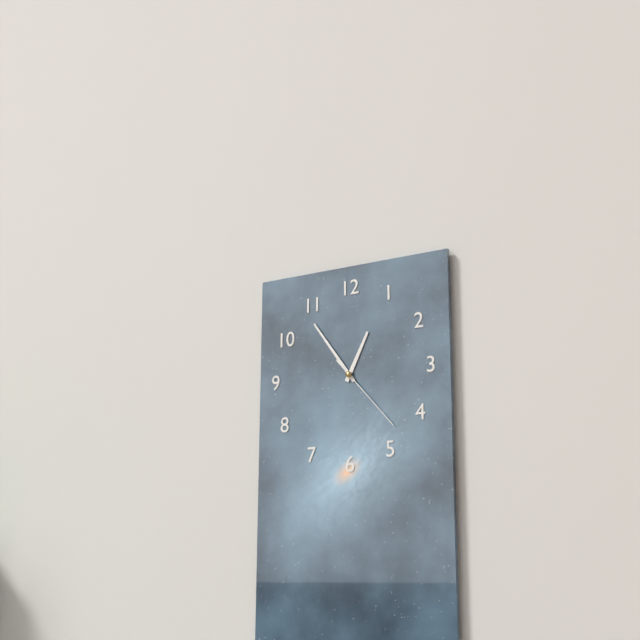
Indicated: **12:54:23**
